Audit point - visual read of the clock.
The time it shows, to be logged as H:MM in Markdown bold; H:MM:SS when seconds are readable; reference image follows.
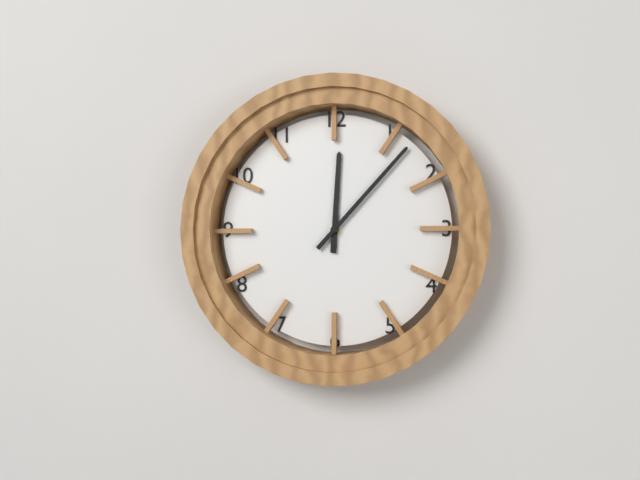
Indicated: **12:07**
